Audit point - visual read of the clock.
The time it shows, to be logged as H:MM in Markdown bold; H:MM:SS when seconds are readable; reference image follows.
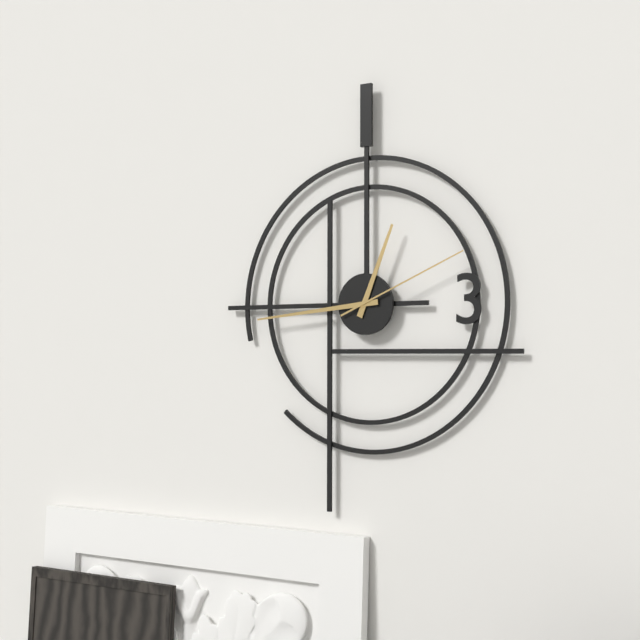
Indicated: **12:44:11**
